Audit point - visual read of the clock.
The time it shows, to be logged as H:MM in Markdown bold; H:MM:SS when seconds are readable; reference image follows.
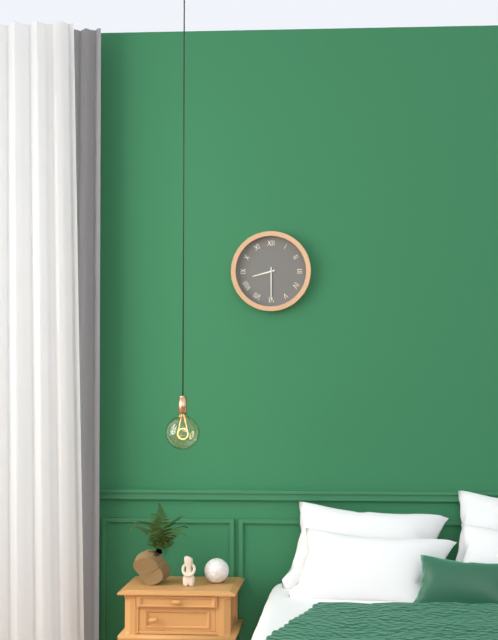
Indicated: **8:30**
